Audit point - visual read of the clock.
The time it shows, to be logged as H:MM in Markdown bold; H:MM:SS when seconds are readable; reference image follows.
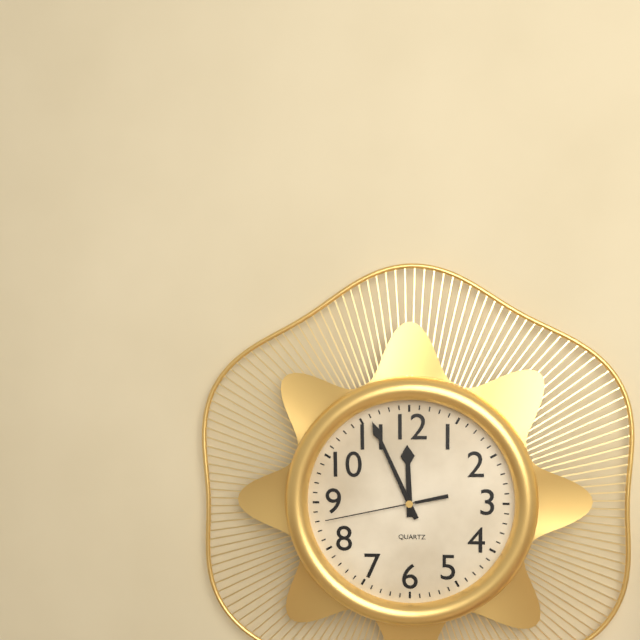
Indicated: **11:56:43**
